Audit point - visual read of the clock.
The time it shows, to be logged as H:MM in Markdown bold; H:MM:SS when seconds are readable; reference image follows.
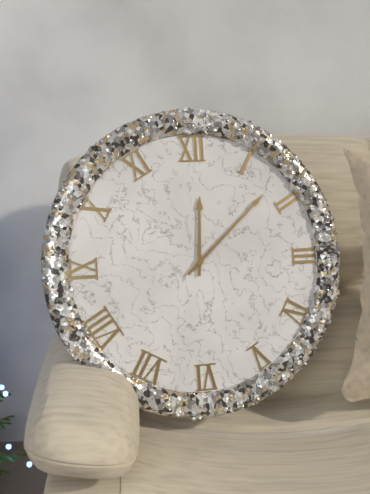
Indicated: **12:08**
